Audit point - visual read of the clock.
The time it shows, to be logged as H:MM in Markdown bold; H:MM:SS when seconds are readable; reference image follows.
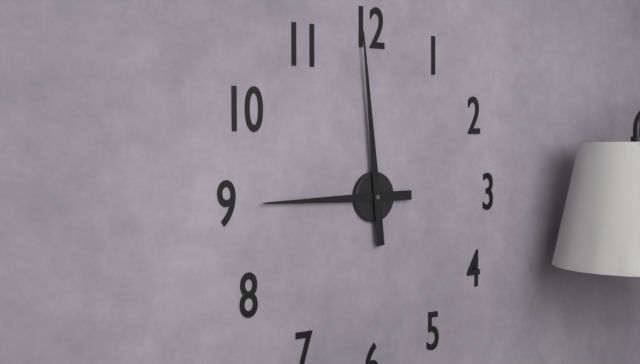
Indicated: **8:59**
